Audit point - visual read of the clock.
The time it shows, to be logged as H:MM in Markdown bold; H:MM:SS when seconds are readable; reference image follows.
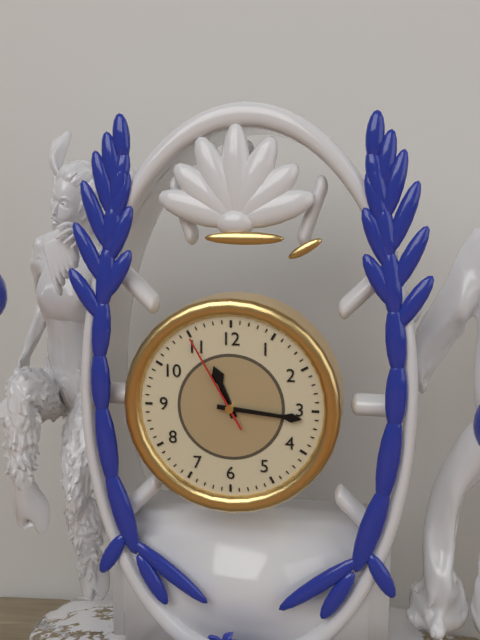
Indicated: **11:16:55**
